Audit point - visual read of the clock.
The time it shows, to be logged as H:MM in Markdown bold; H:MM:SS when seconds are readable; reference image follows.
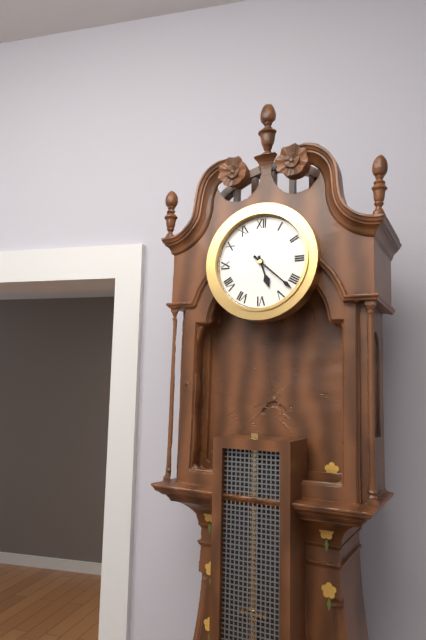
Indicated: **5:22**
